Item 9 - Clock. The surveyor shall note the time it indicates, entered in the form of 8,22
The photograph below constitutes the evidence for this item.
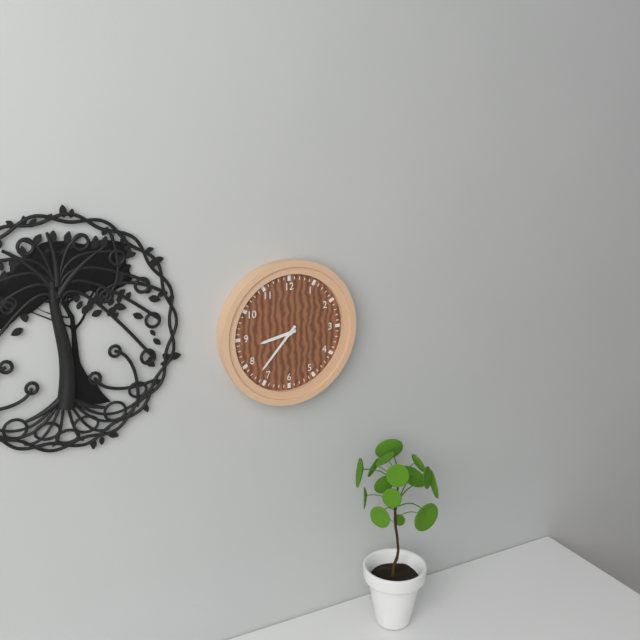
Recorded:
8,37
